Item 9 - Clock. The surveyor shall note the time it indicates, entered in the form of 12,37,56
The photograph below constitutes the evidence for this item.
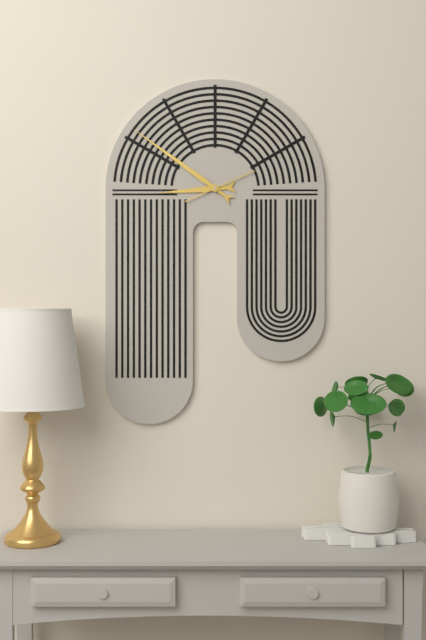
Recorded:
8,51,11
